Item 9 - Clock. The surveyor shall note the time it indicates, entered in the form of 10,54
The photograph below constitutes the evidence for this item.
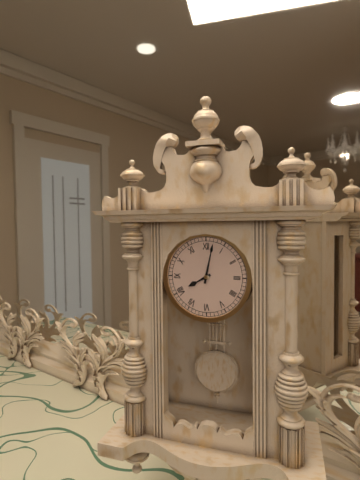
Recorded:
8,02
